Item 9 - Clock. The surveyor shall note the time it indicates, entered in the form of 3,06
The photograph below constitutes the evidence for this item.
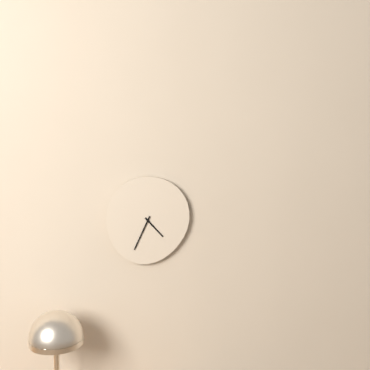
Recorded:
4,34
